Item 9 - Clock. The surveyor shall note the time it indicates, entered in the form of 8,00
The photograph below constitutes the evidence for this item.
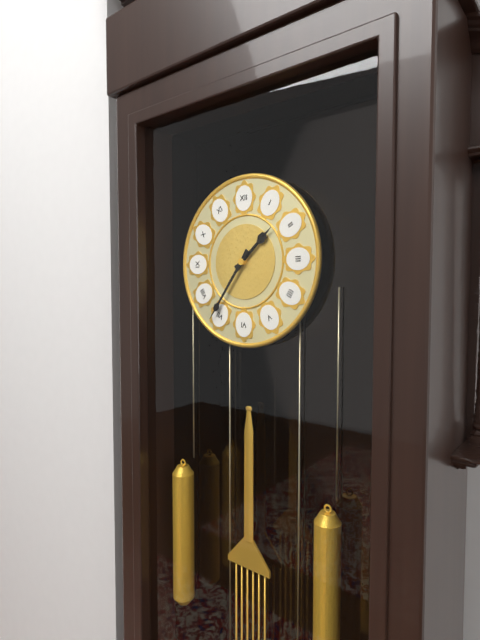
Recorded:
1,36
